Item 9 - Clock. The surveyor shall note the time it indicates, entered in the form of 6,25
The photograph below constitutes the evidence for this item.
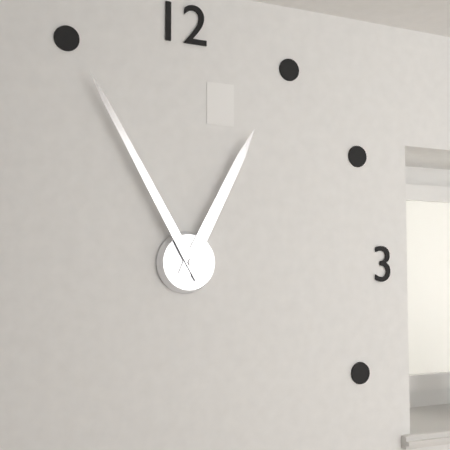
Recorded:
12,55
